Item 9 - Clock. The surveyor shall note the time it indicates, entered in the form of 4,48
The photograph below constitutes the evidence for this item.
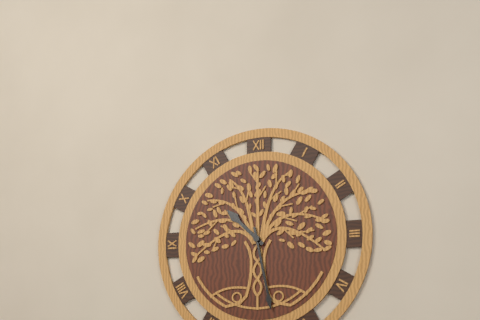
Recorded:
10,28
